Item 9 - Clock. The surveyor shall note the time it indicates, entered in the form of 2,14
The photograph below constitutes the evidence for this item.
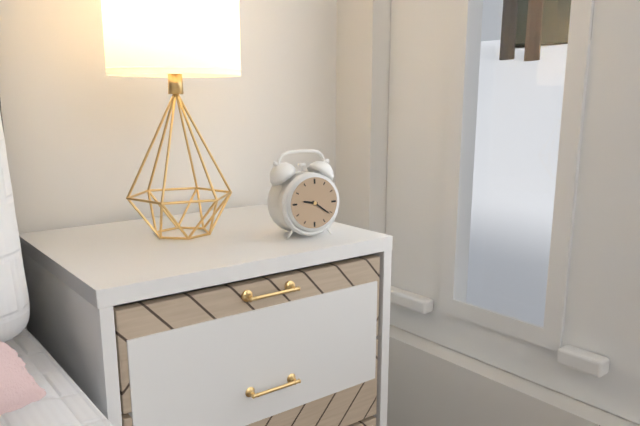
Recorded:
9,21
